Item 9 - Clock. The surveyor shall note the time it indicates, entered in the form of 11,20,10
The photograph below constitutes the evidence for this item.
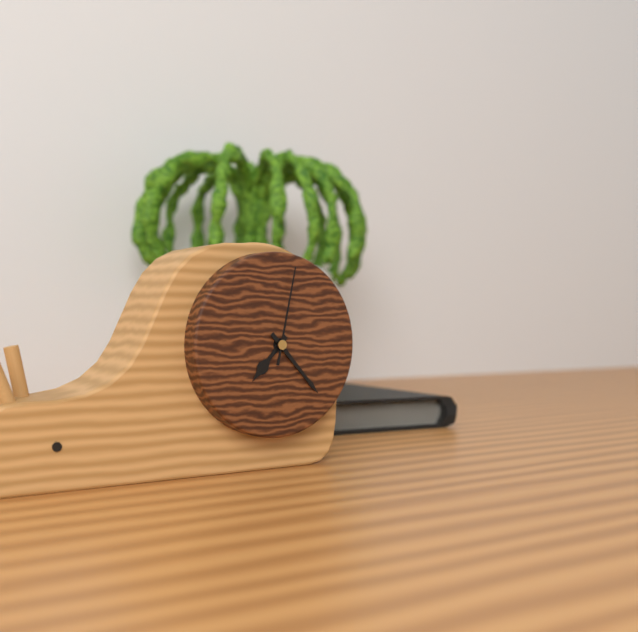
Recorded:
7,23,02
